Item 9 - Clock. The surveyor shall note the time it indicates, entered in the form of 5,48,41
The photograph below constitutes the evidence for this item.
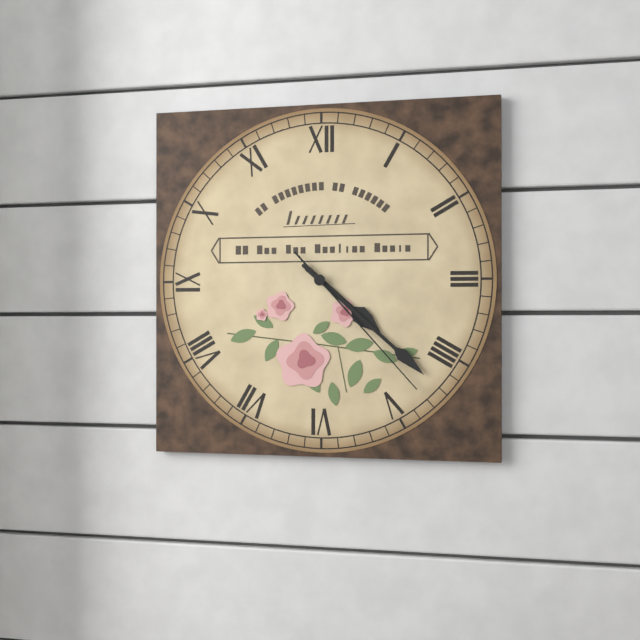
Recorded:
4,22,23
